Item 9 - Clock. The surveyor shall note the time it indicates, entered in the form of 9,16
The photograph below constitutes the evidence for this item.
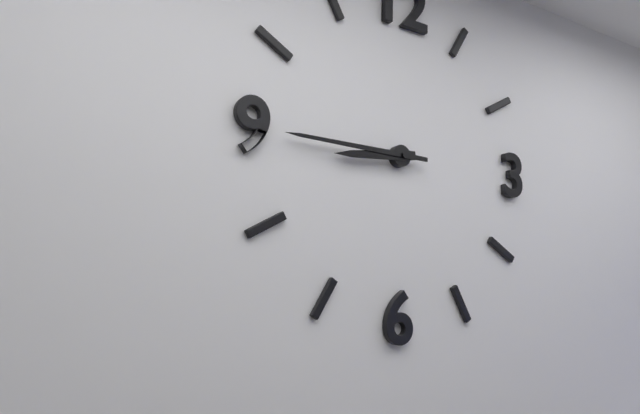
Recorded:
8,45
